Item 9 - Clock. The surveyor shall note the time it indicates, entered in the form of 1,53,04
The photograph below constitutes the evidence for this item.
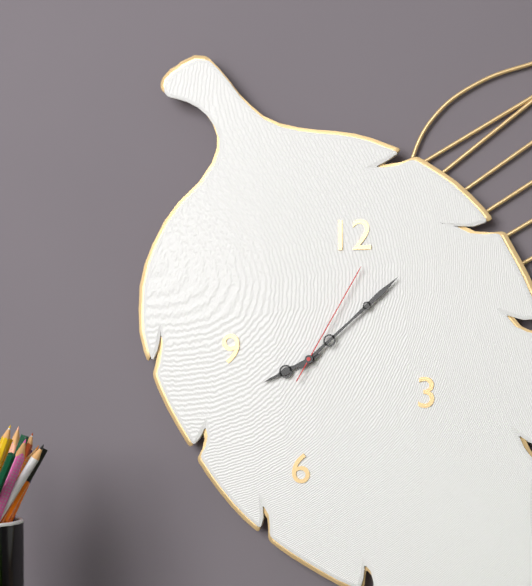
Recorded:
8,08,05
